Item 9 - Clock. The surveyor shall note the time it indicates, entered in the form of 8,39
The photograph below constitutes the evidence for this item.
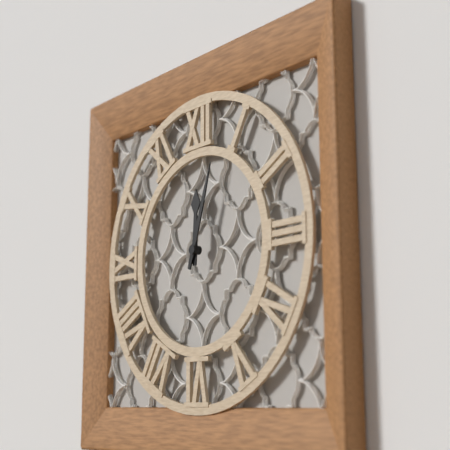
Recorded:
12,03
